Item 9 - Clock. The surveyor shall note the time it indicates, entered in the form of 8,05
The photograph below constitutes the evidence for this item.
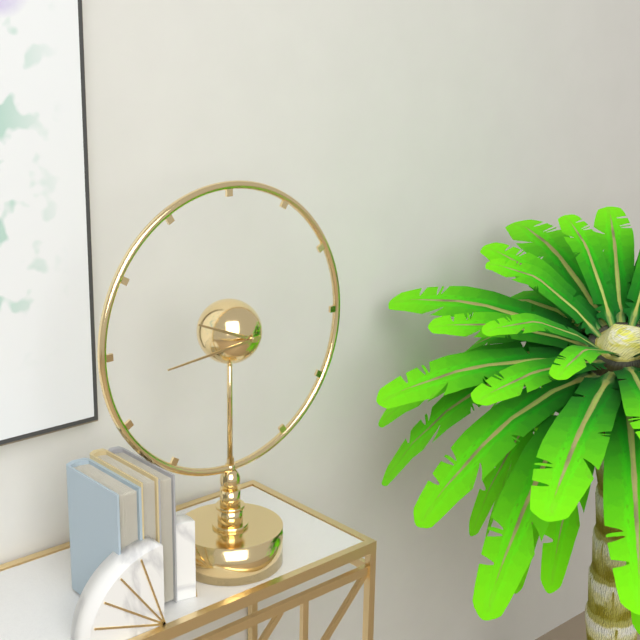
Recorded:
9,44
